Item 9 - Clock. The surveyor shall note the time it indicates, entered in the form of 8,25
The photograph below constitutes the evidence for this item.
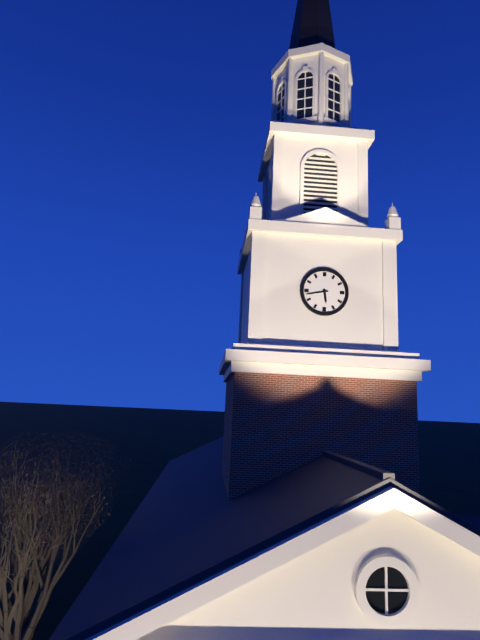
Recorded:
5,43
